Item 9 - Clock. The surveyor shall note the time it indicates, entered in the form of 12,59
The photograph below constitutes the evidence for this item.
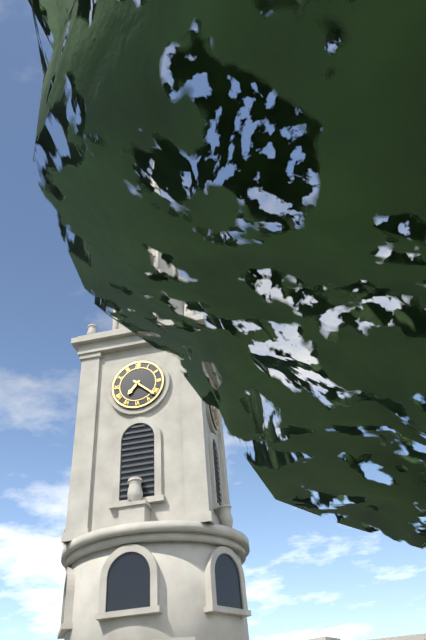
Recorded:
7,22
